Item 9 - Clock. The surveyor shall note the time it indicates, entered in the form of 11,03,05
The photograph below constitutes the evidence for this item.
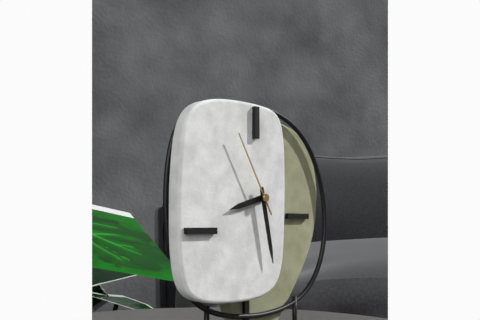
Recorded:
8,28,55
